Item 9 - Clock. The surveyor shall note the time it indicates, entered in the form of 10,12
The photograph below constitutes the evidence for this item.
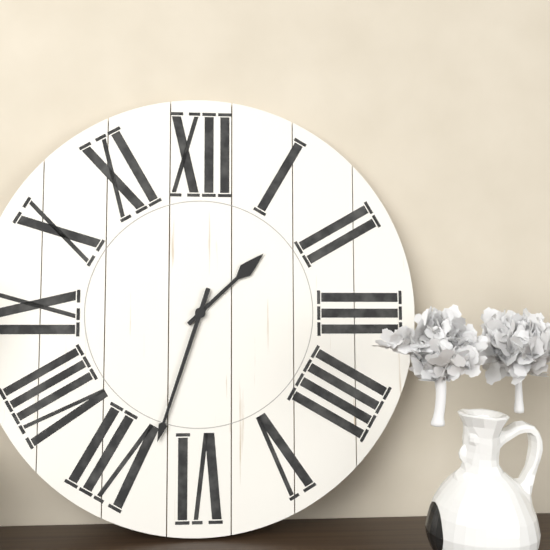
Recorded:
1,33
